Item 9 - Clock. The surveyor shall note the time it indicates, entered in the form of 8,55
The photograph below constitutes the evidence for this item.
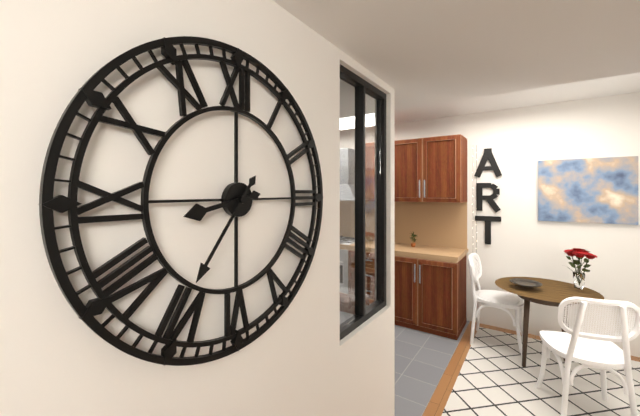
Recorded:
8,36
